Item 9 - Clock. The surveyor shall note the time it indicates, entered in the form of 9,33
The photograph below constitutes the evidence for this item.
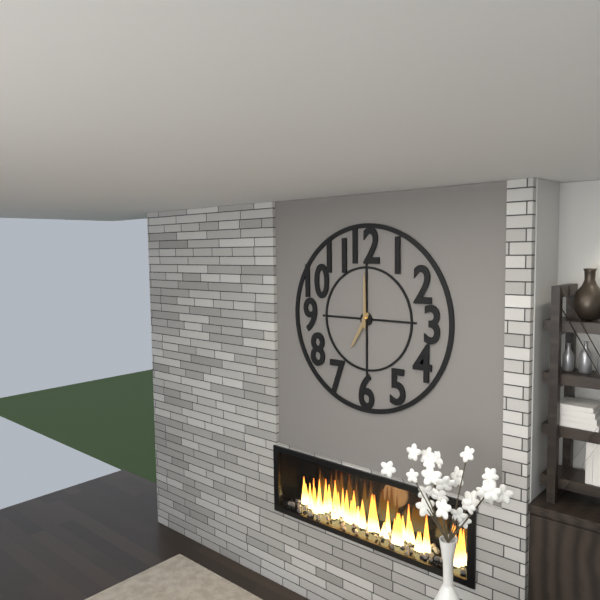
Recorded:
7,00
